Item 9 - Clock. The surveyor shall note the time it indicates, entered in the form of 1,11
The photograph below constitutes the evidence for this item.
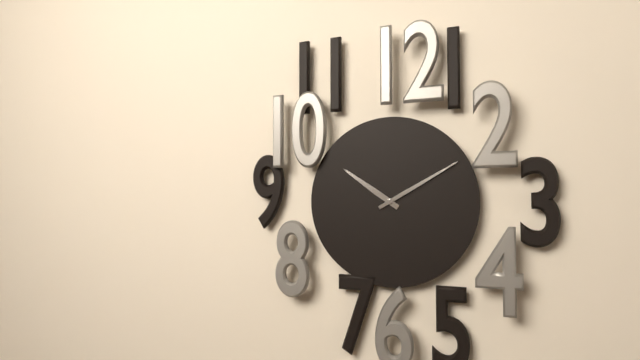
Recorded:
10,10
